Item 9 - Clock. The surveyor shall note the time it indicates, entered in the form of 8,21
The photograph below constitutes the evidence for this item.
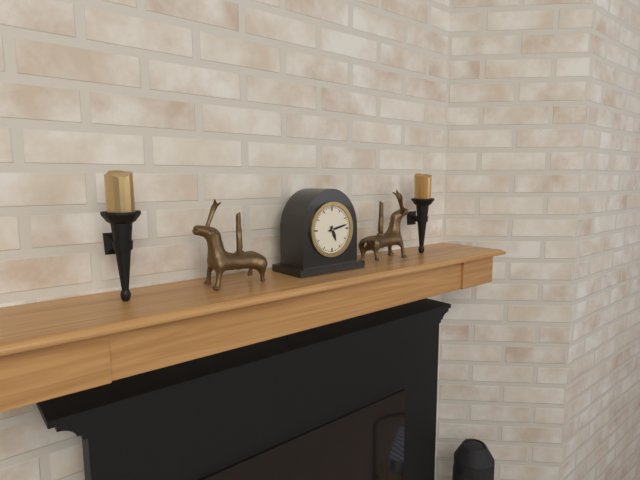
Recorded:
5,13
